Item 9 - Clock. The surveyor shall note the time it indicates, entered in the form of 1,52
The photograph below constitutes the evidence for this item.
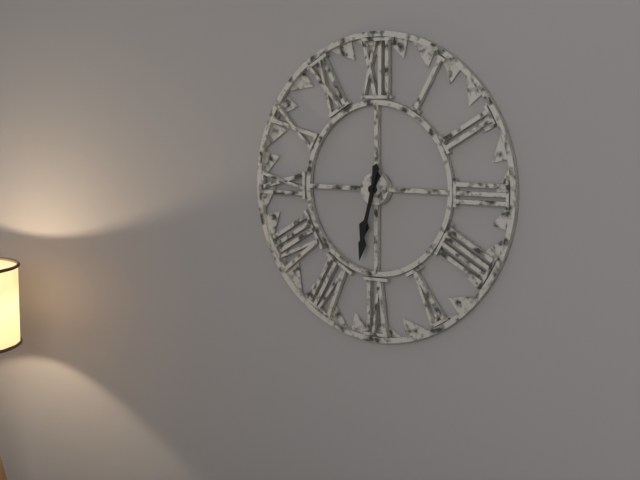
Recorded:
6,32
